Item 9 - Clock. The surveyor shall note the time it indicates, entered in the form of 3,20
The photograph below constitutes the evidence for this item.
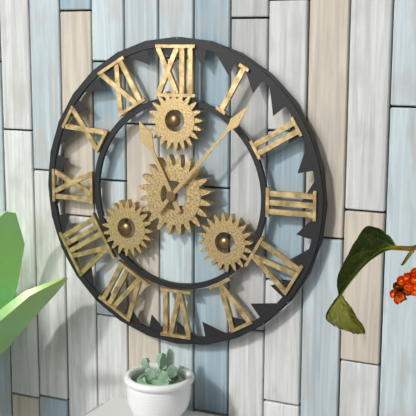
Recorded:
11,07
